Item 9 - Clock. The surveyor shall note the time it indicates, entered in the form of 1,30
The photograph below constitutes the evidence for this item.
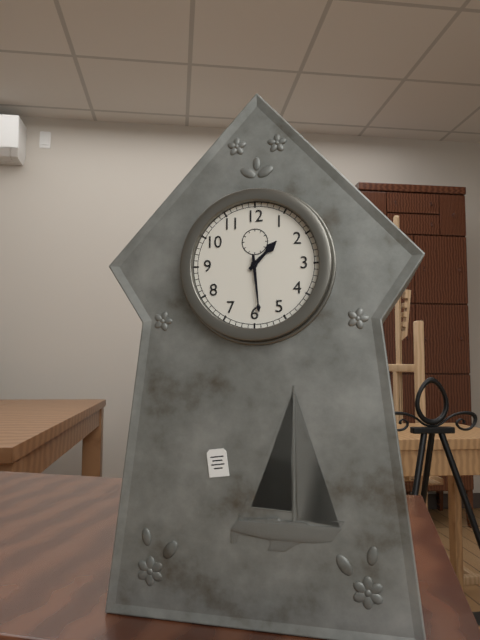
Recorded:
1,29
